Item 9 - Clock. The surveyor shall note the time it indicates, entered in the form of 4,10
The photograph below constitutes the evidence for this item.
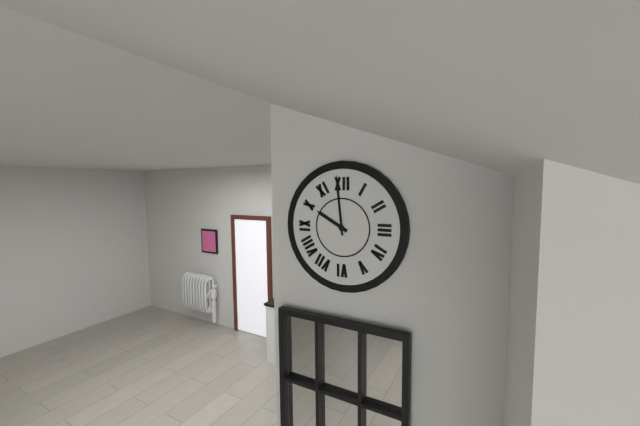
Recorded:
9,59
